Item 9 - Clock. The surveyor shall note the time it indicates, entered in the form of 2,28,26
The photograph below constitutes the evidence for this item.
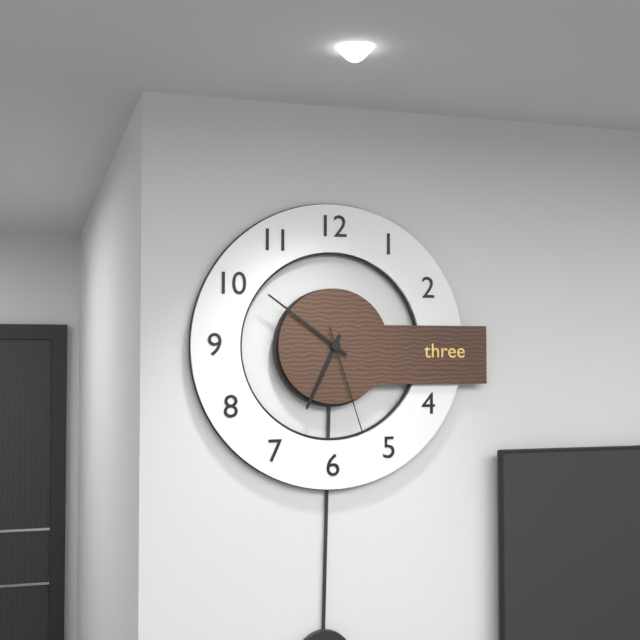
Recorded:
6,51,27
